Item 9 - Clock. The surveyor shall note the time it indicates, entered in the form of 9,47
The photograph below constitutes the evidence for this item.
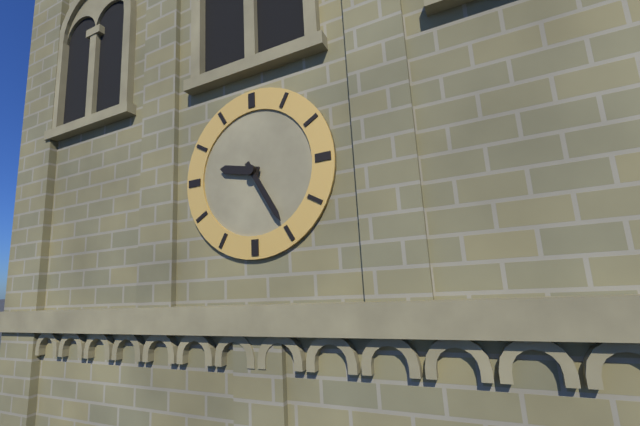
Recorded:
9,25
